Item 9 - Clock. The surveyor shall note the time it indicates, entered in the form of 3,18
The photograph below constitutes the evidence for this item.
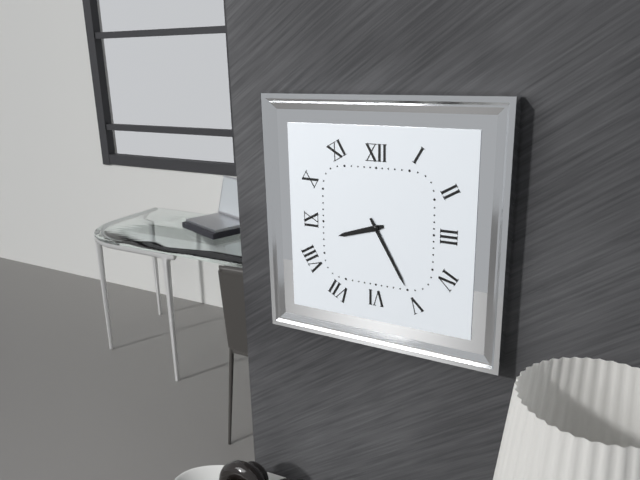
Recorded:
8,25
